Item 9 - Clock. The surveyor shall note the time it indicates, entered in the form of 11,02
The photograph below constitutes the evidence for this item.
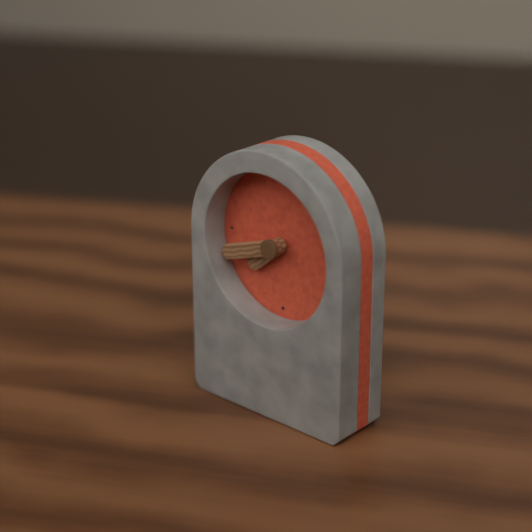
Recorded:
7,42
